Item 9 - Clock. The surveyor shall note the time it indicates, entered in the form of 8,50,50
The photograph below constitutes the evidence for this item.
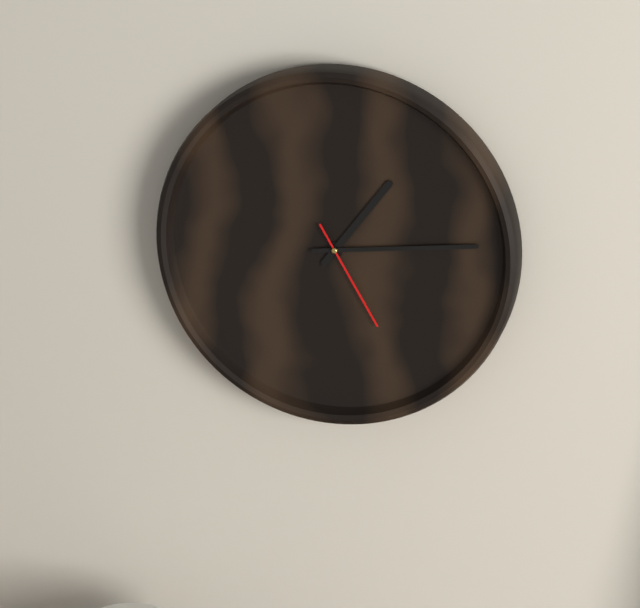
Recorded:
1,14,25
